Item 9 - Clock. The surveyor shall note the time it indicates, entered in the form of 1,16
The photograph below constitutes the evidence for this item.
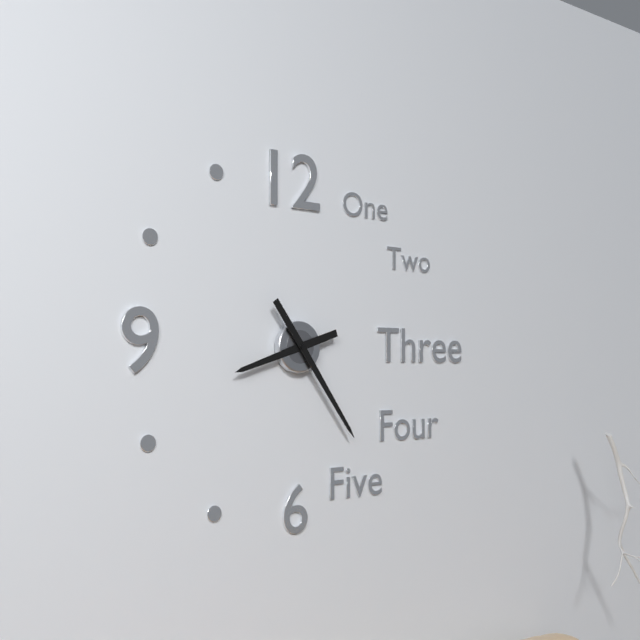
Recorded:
8,24
